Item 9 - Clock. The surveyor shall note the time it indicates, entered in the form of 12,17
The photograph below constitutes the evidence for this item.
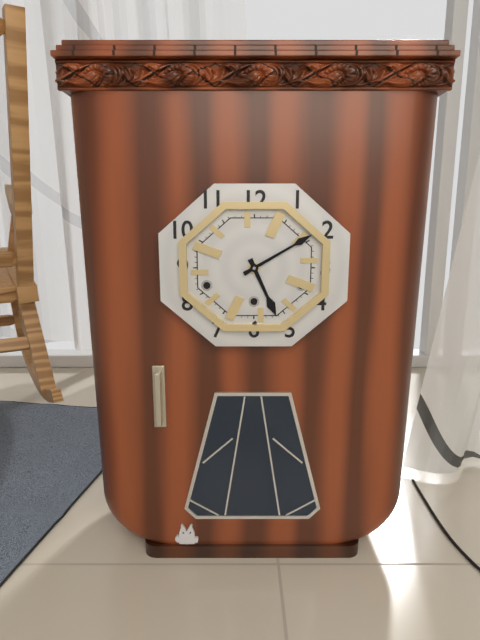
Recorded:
5,10
